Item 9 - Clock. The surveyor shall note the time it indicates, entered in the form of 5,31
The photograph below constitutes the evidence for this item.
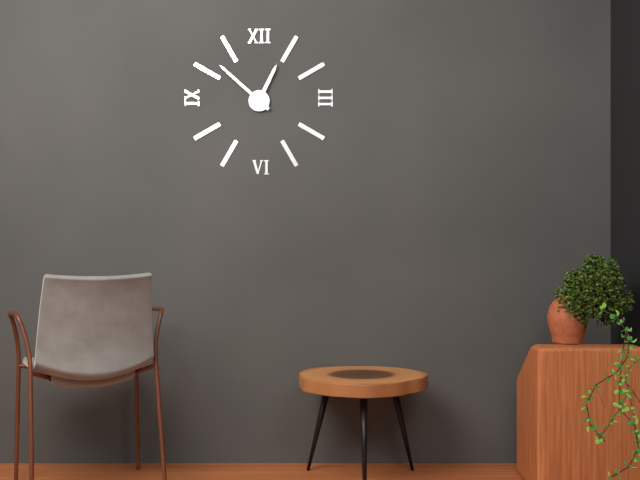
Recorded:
12,52
